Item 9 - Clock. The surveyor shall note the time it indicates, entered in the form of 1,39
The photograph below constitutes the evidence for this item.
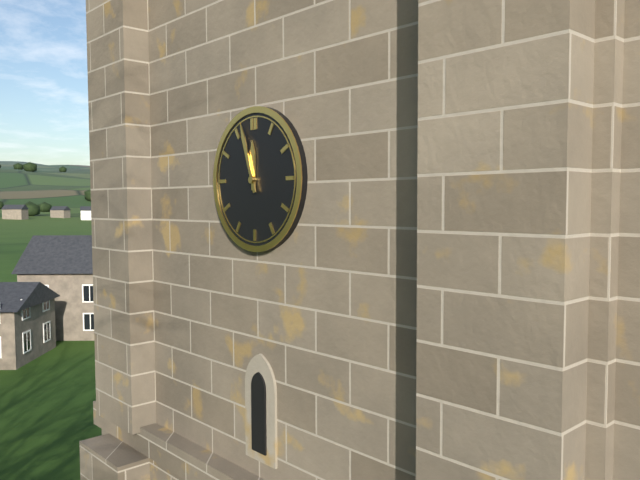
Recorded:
11,57
